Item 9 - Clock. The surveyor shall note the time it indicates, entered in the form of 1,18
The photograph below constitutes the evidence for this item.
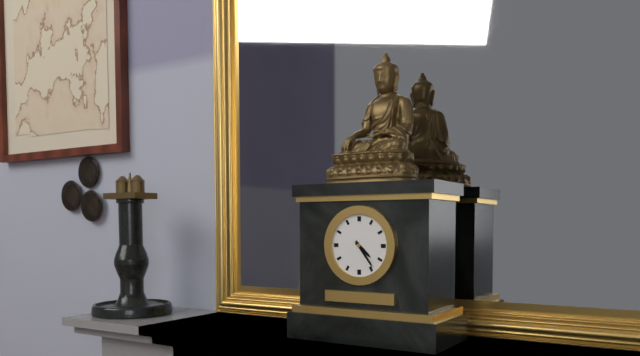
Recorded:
4,24
